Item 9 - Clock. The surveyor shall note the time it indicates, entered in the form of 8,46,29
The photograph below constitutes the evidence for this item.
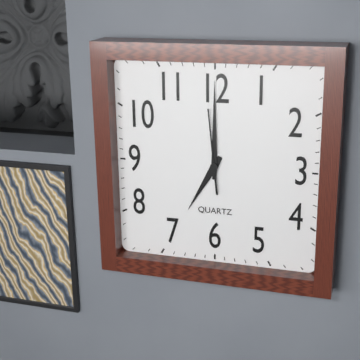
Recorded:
7,00,59
